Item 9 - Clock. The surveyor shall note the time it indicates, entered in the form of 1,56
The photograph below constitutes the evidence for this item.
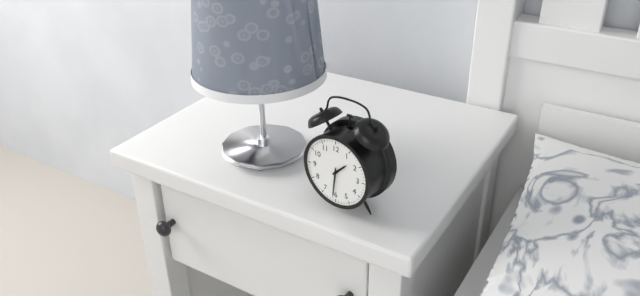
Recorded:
1,31
